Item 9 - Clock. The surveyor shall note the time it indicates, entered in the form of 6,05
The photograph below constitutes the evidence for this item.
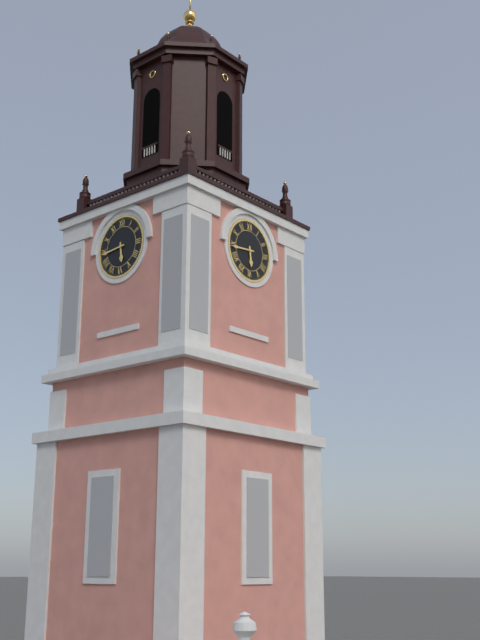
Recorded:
5,44
